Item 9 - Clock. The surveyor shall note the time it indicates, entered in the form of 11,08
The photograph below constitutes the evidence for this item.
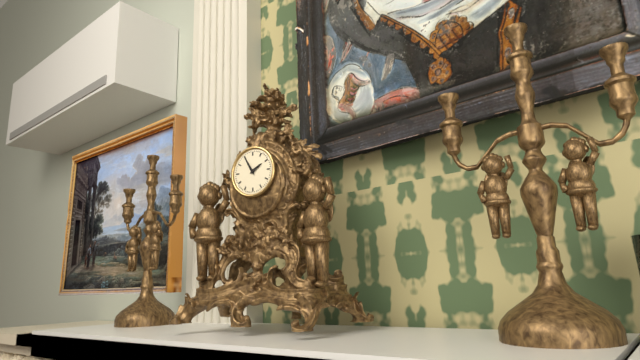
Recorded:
1,55
